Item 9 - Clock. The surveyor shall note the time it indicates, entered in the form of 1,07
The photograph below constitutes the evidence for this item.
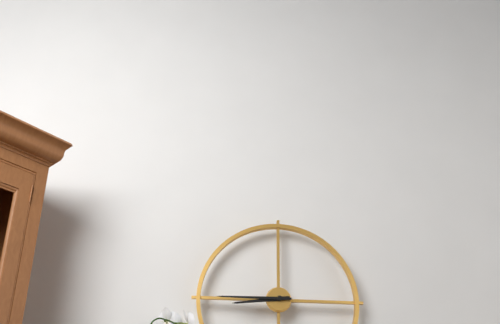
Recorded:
8,45
